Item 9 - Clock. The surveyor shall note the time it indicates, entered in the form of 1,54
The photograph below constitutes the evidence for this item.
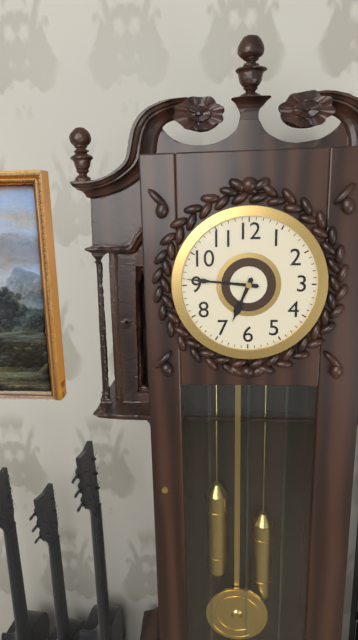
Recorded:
6,46
